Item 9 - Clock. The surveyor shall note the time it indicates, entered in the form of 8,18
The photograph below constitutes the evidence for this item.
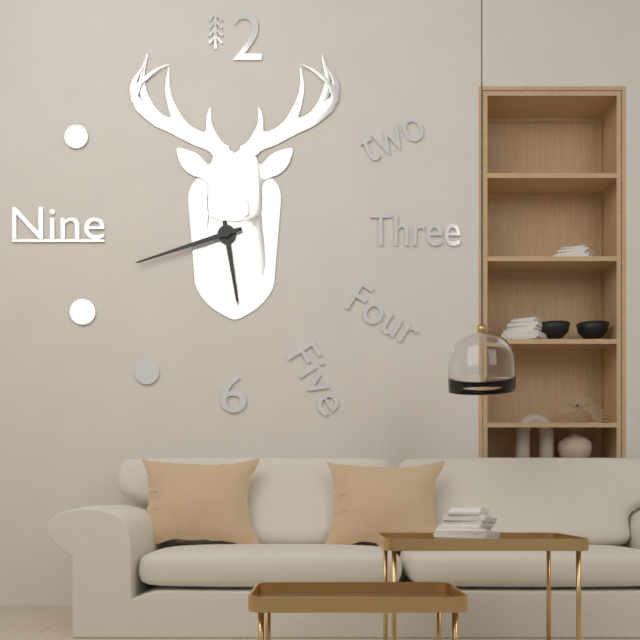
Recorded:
5,42
